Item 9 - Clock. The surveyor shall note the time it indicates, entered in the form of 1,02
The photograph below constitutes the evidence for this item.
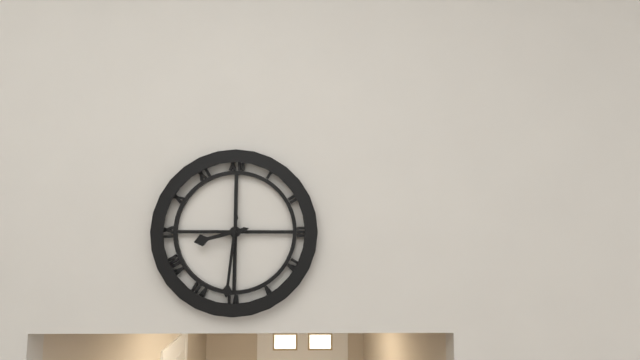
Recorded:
8,31
